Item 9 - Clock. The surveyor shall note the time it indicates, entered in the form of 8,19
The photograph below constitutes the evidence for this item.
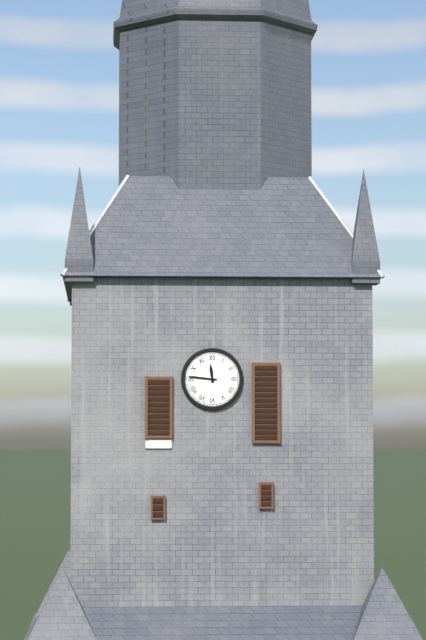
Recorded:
11,46
